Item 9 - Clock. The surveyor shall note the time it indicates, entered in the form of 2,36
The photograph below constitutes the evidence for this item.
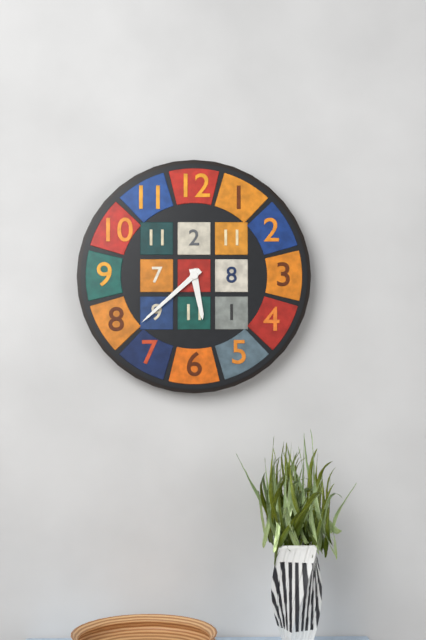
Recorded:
5,38
